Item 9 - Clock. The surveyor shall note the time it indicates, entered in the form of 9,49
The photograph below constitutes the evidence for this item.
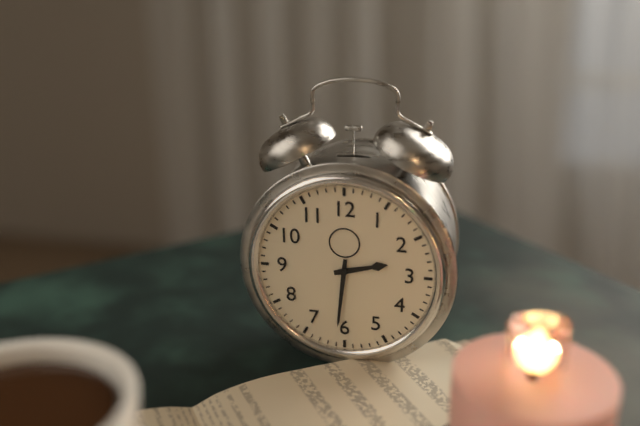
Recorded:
2,31
